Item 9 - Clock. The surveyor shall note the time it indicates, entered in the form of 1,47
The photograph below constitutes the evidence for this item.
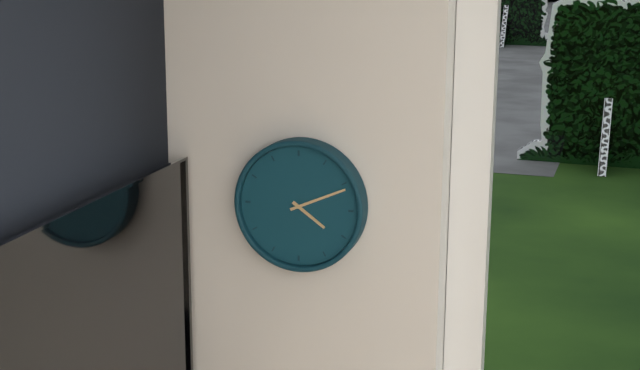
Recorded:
4,11
